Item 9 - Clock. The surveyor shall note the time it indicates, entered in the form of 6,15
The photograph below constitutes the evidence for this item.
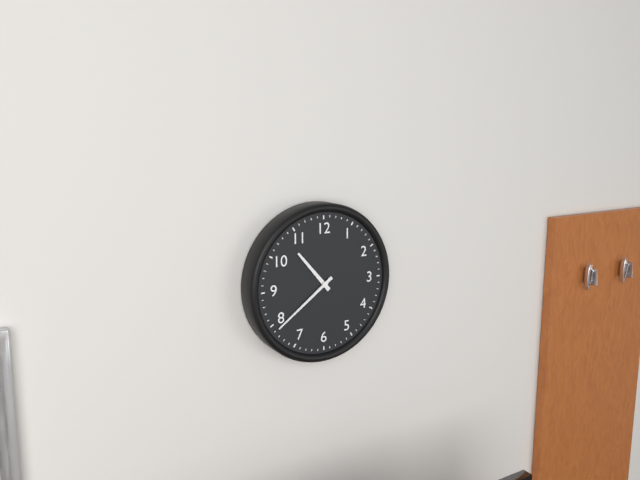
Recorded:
10,39
